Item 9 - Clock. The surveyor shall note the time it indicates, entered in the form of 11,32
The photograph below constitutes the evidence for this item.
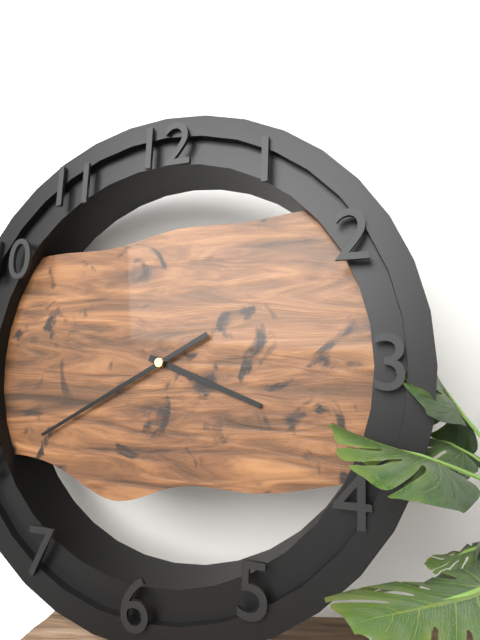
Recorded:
3,40
